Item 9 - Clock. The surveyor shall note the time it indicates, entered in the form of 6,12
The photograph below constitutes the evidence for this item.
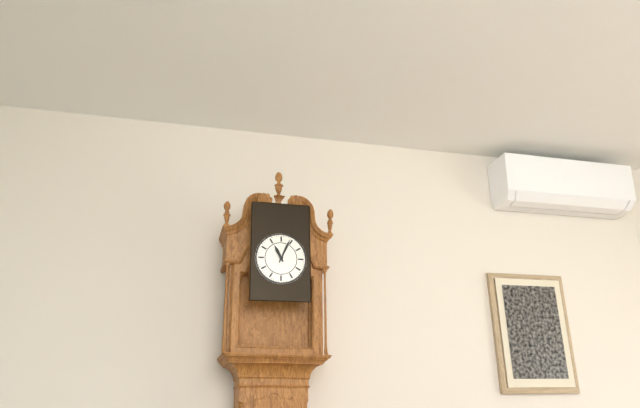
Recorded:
11,04
